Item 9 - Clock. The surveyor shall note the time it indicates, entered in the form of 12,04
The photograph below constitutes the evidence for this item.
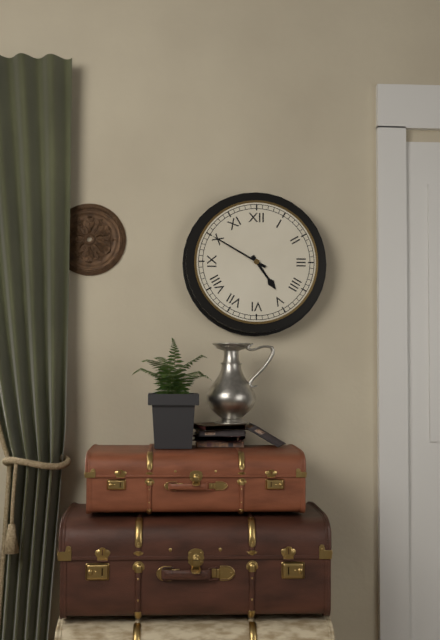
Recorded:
4,50
